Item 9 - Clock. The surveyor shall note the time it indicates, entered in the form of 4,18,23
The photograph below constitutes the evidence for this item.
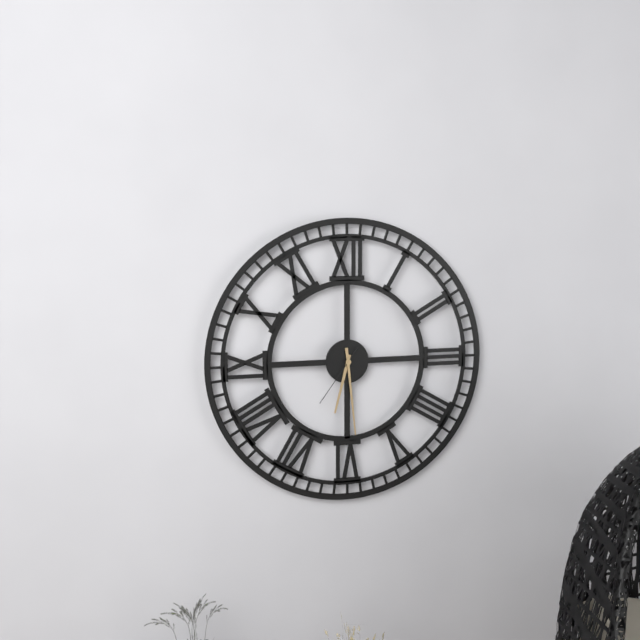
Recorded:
6,29,36
